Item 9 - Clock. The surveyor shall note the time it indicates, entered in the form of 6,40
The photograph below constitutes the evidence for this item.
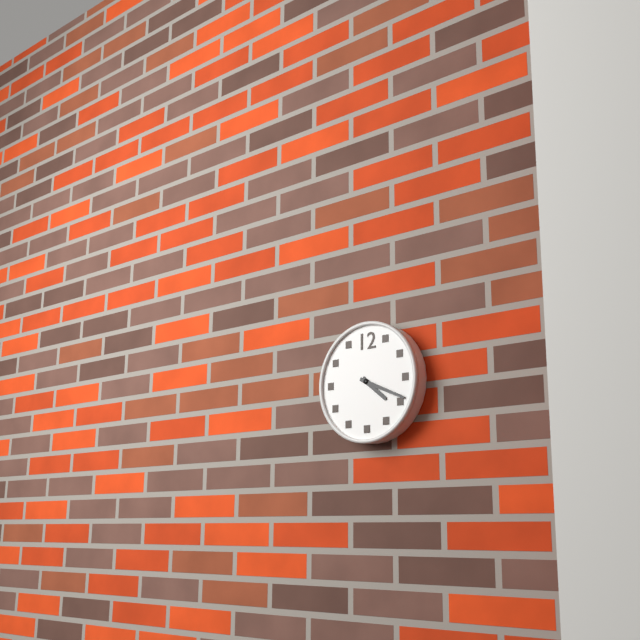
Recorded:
4,19
